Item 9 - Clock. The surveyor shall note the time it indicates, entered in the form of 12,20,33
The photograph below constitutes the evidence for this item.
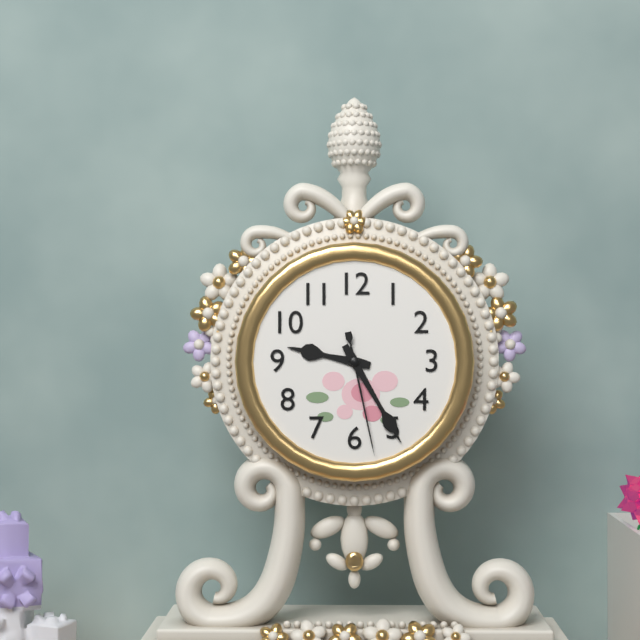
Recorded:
9,25,28
